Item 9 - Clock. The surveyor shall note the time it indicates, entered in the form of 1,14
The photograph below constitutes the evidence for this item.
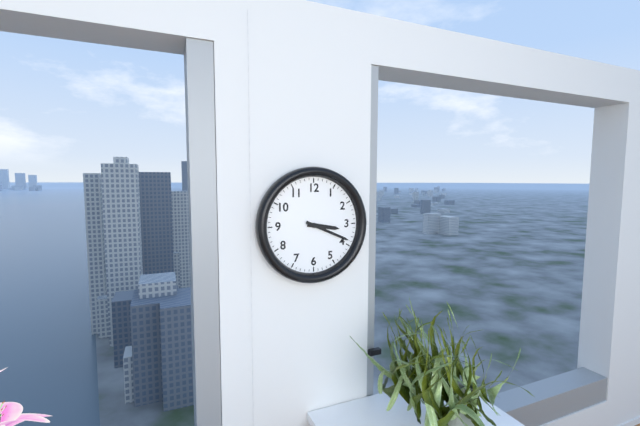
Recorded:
3,19
